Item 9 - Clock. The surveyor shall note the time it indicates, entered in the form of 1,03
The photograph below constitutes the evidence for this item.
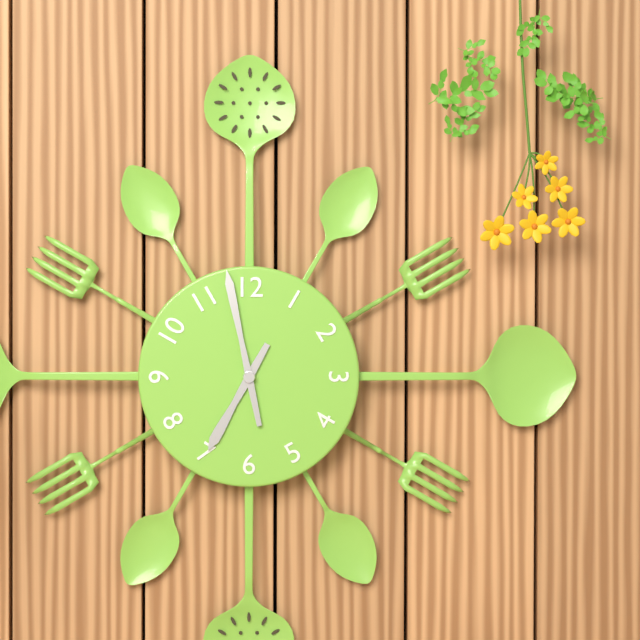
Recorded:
6,58
